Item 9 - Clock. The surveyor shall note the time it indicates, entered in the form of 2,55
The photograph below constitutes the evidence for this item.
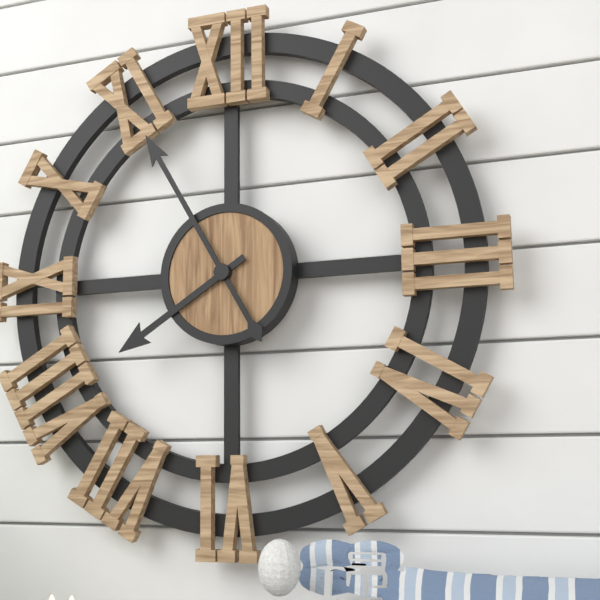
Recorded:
7,55
